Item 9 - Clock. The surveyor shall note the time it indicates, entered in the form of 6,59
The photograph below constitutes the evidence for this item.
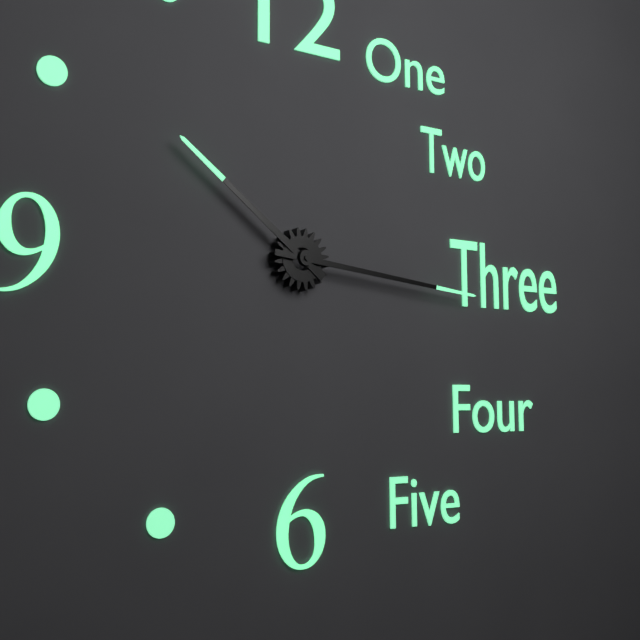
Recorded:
10,16
